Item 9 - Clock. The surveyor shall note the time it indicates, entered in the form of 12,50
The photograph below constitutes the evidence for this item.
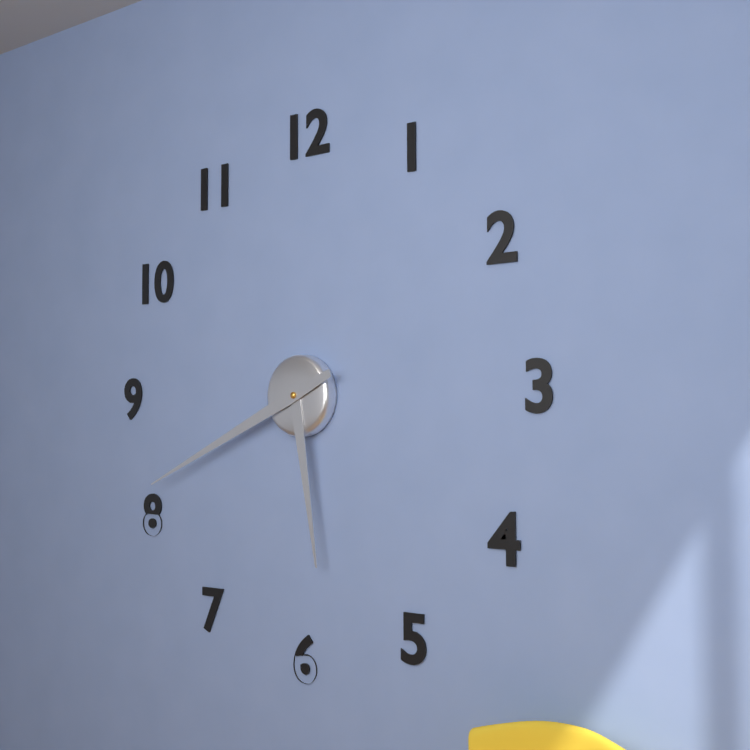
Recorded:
5,41
